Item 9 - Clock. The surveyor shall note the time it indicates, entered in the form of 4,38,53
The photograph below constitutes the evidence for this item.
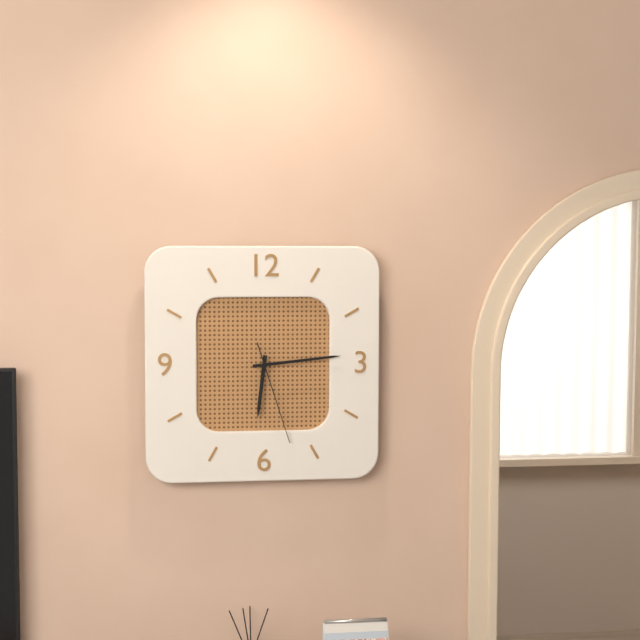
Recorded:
6,14,27
